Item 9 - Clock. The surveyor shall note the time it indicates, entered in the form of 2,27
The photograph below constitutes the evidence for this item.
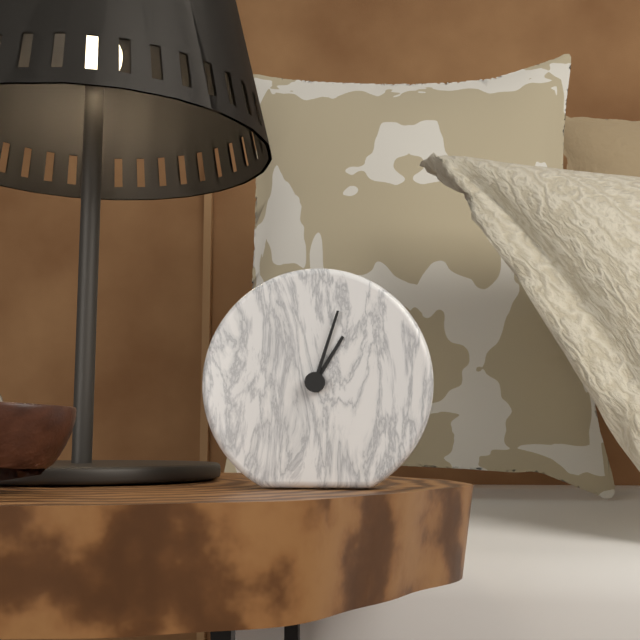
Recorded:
1,03
